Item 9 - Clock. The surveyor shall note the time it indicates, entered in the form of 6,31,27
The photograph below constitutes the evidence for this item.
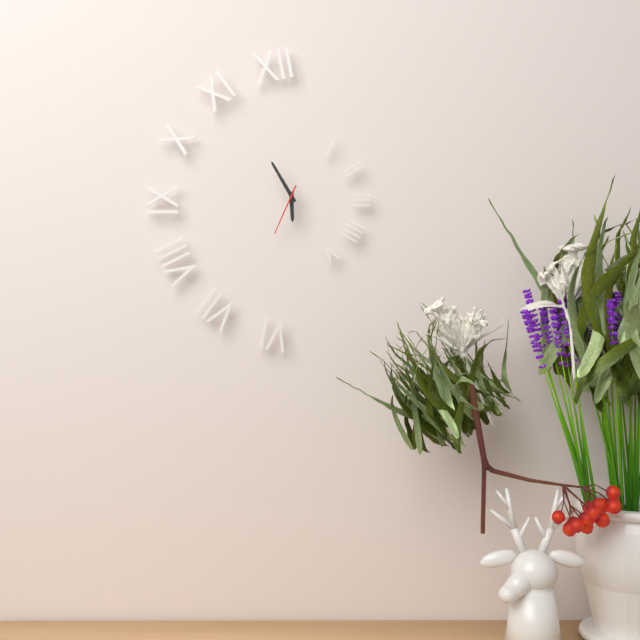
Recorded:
5,55,34
